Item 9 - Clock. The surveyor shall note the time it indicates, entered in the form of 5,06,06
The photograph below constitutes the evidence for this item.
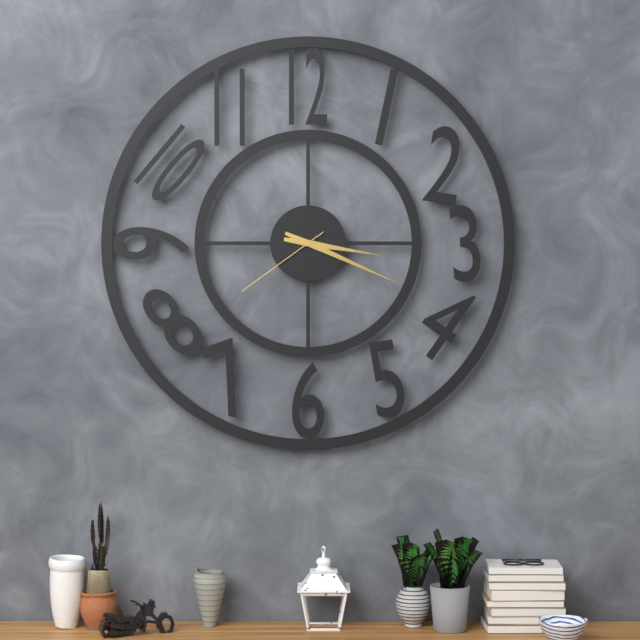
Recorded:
3,19,39
